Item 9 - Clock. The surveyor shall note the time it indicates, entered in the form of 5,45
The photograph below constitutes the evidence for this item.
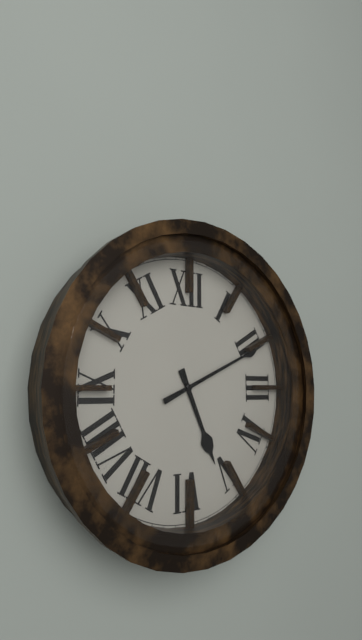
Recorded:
5,11
